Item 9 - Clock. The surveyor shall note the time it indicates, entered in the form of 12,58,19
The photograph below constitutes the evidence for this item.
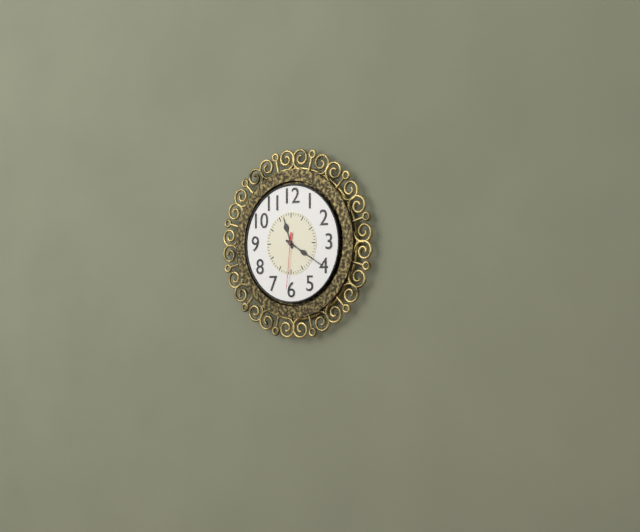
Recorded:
11,20,31
